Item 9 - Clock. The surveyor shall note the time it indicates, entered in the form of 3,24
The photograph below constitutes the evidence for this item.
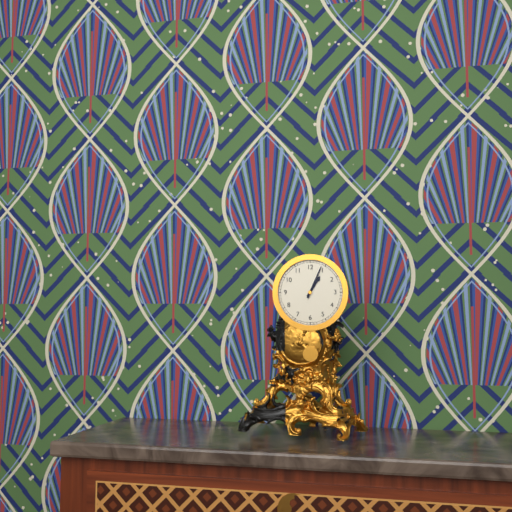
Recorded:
1,04
